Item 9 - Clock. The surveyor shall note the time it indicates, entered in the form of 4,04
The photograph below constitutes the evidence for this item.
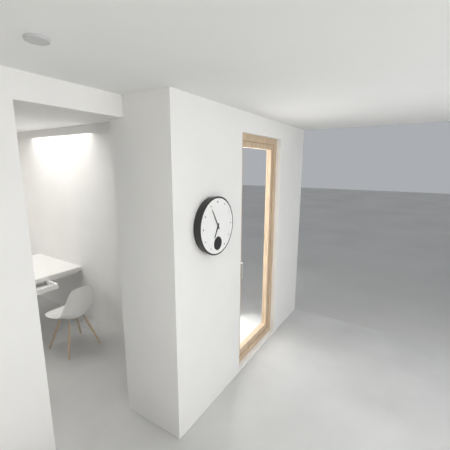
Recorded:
6,55
